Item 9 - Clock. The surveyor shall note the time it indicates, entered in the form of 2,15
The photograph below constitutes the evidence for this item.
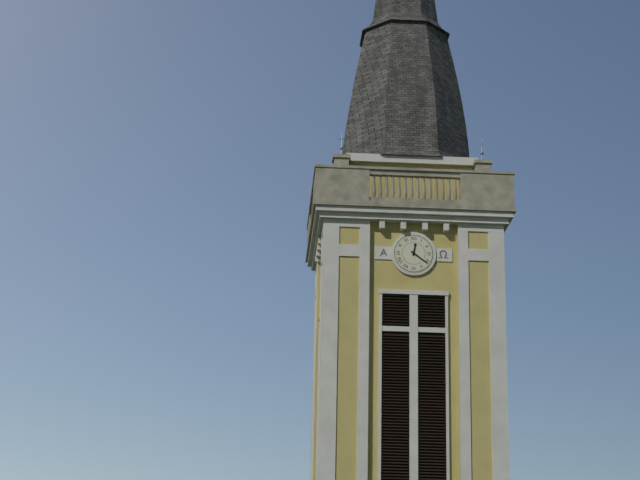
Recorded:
12,21
